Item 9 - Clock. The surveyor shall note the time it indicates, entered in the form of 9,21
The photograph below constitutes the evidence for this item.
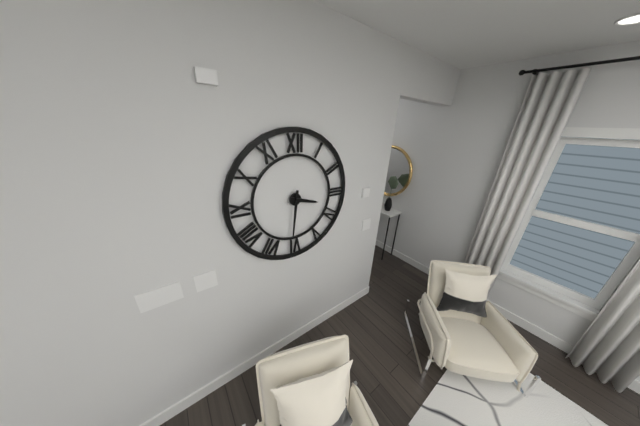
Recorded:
3,31
